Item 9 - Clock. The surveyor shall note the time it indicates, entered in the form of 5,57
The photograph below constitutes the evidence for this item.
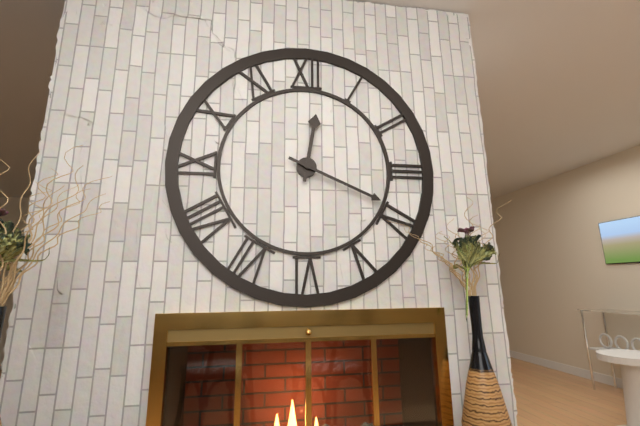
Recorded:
12,19
